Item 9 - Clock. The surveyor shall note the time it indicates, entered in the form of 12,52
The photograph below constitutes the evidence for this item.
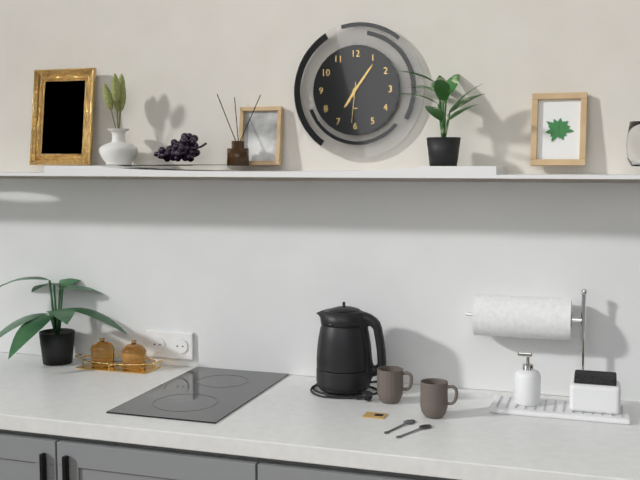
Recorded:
7,06
